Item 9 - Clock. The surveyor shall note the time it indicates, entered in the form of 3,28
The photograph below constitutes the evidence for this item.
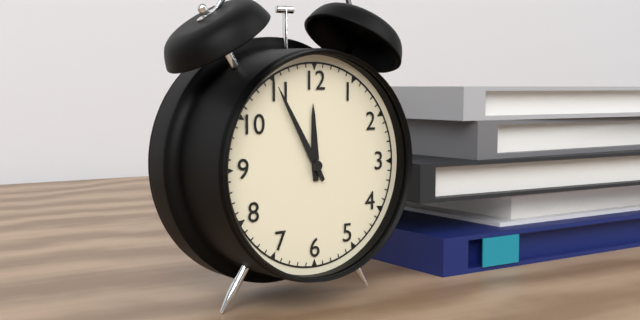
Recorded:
11,55
